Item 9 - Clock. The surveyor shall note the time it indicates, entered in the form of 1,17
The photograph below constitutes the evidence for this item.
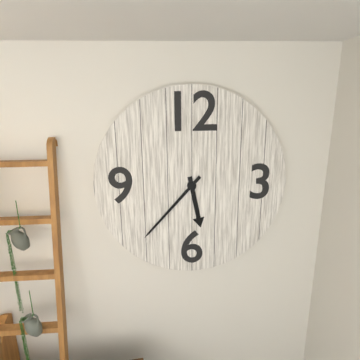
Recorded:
5,37
